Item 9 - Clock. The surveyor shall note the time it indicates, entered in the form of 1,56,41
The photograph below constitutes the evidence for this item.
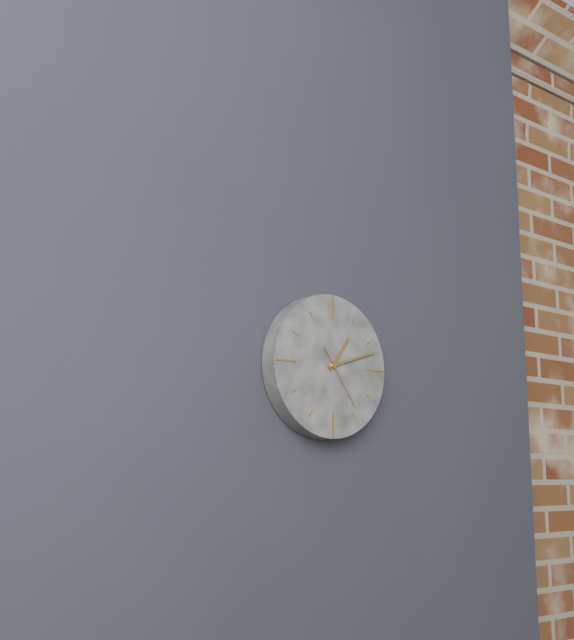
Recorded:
1,12,24
